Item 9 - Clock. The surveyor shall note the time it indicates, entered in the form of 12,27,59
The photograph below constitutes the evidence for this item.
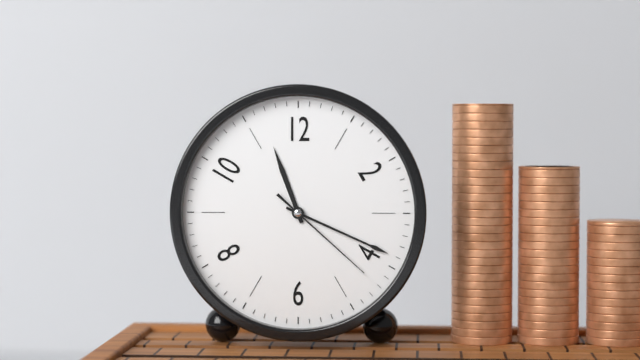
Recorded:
11,19,22
